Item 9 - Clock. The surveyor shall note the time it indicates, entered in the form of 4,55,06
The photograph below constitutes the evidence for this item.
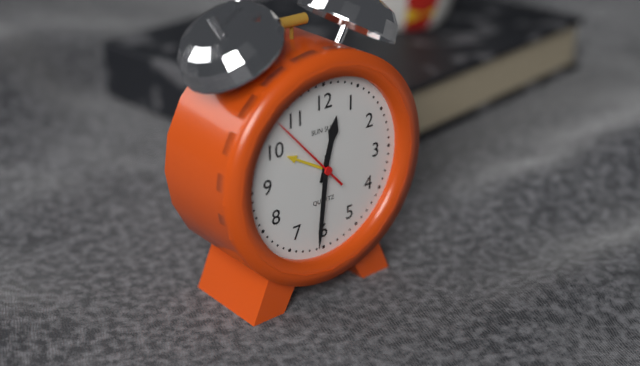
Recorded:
12,31,53
